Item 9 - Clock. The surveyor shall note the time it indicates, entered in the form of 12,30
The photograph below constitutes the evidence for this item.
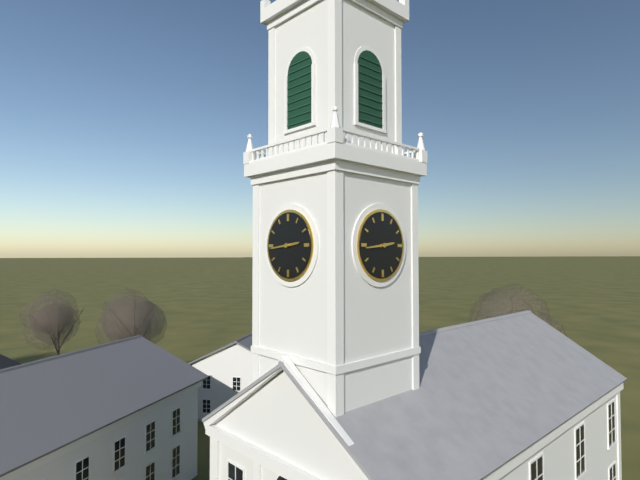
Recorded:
2,44
